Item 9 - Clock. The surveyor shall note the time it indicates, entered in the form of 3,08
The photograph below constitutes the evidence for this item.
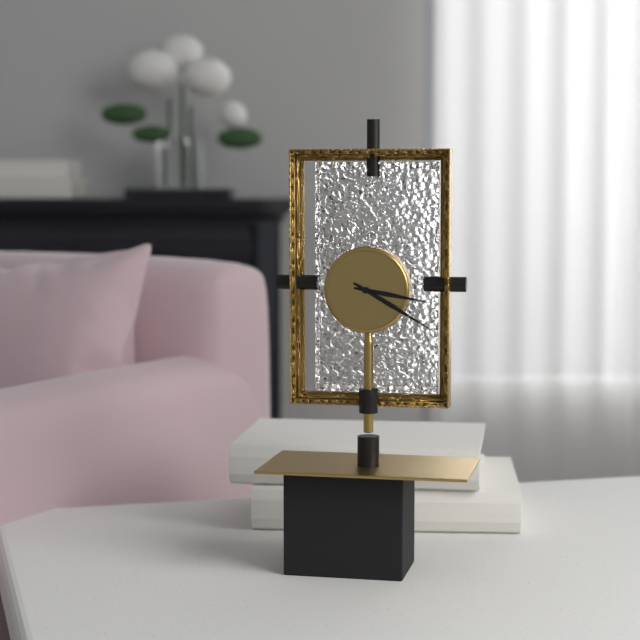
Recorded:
3,20
